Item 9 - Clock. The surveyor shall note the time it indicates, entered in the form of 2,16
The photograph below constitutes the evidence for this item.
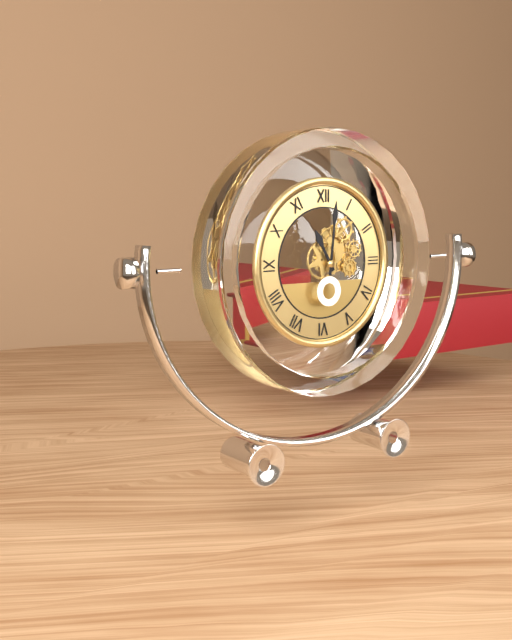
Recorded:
11,01
